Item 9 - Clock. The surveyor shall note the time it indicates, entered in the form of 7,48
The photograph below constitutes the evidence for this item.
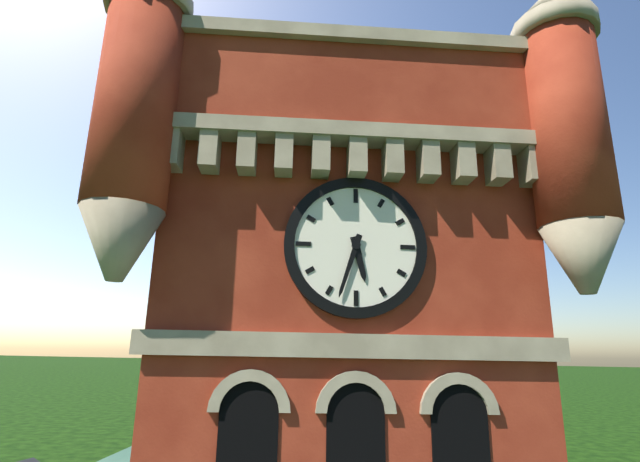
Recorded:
5,33
